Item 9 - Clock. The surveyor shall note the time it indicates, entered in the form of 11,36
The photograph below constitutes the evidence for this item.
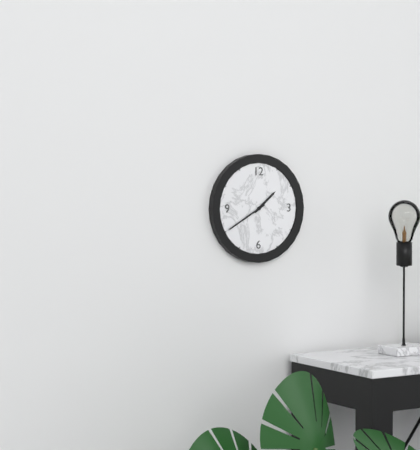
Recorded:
1,40
